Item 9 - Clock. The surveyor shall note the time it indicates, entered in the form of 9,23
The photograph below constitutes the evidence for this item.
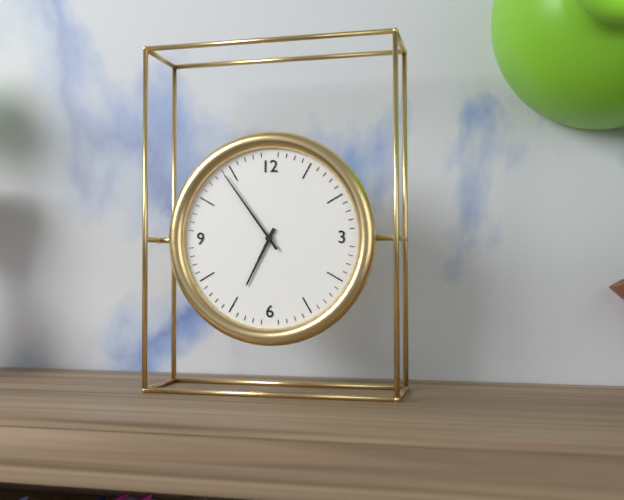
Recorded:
6,54
